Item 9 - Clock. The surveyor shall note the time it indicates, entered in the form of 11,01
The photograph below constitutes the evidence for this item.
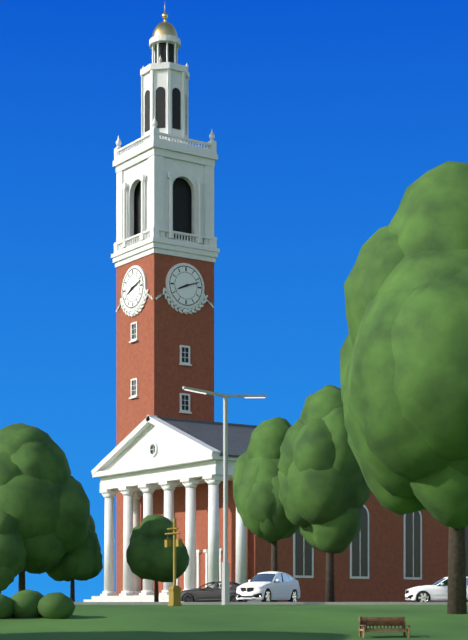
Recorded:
8,12
